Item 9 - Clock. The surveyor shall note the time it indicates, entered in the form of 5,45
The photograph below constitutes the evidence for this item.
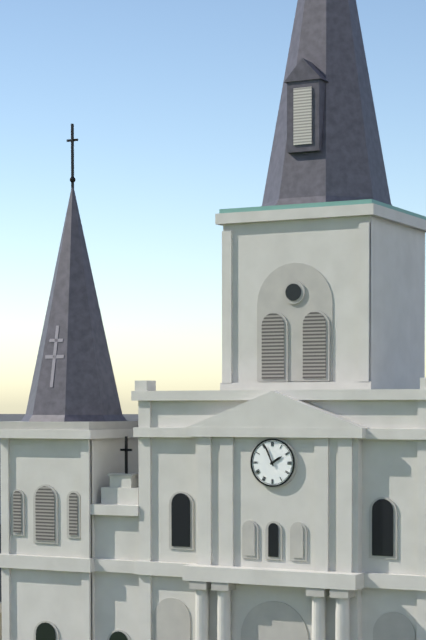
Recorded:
1,56
